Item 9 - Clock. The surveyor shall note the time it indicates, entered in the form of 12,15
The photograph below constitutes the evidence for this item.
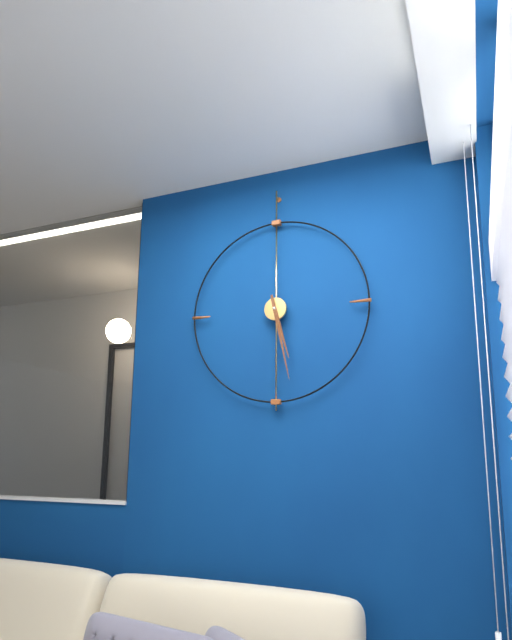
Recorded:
5,28
